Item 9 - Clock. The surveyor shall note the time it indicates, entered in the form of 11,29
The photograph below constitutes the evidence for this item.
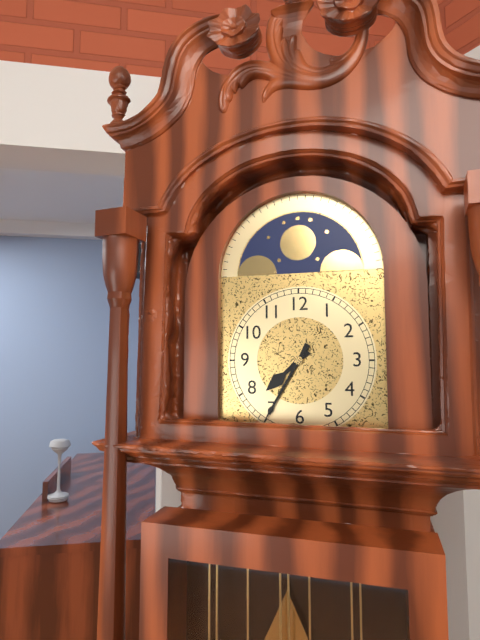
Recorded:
7,35
